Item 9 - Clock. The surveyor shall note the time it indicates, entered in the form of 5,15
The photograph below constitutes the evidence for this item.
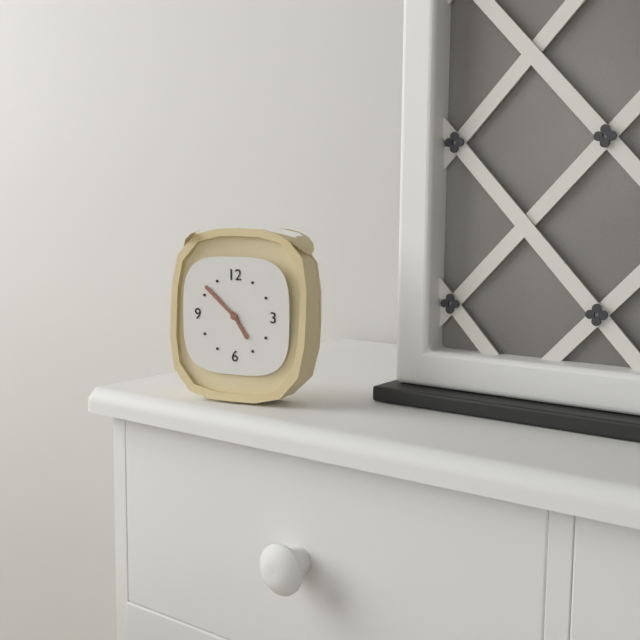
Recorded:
4,52
